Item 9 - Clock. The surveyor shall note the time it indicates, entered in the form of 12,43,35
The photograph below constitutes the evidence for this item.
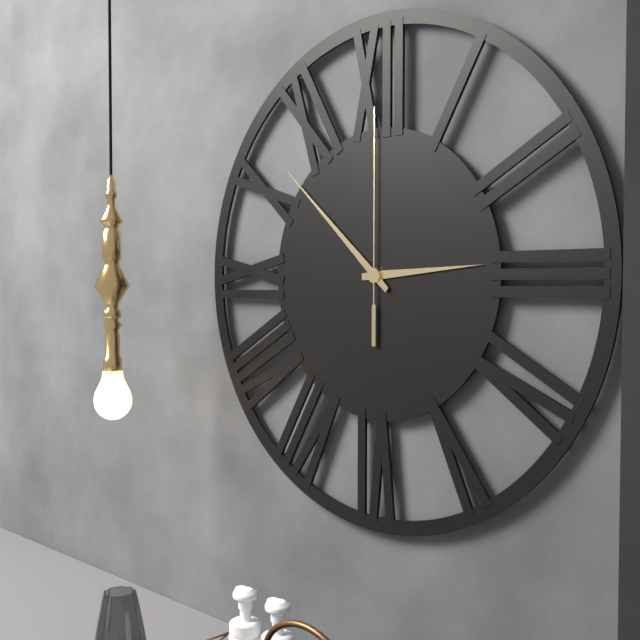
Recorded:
2,52,00
